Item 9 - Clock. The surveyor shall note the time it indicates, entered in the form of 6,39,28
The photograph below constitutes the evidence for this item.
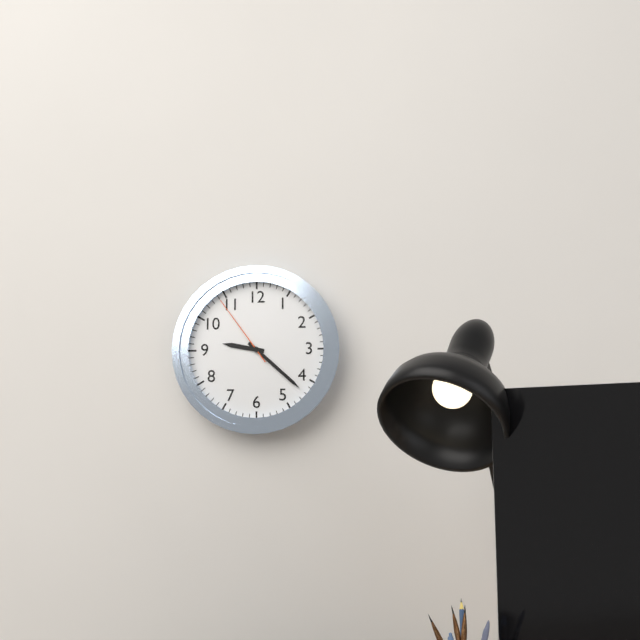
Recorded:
9,22,54
